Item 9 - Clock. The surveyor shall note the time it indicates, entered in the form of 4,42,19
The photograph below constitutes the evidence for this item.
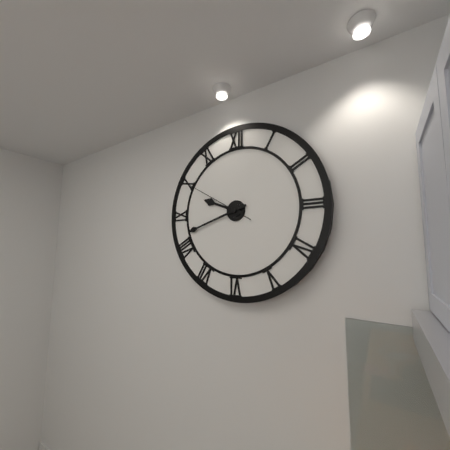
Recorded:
9,42,50
